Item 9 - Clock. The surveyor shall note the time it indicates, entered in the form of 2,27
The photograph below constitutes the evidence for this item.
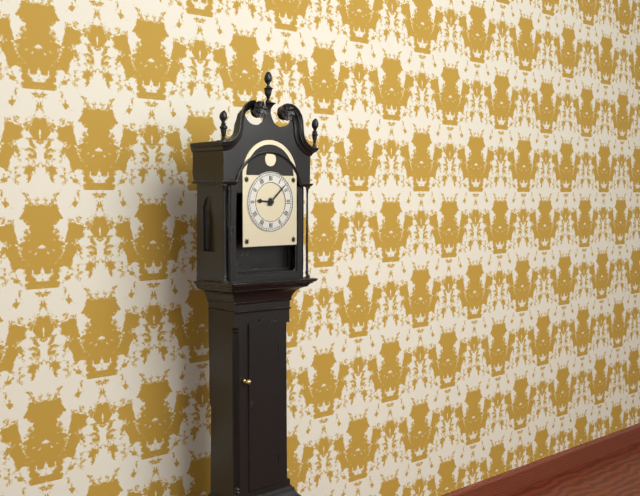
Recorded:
9,08
